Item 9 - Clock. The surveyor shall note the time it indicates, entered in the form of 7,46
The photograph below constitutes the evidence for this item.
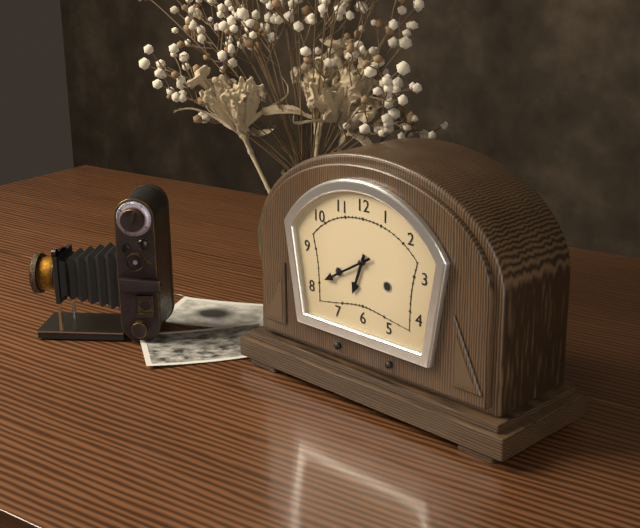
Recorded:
6,40
